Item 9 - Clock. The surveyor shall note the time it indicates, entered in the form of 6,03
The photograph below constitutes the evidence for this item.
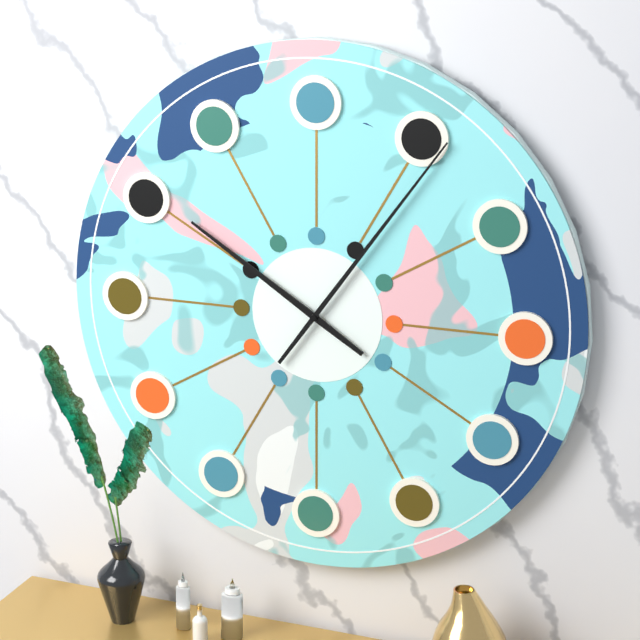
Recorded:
10,06
